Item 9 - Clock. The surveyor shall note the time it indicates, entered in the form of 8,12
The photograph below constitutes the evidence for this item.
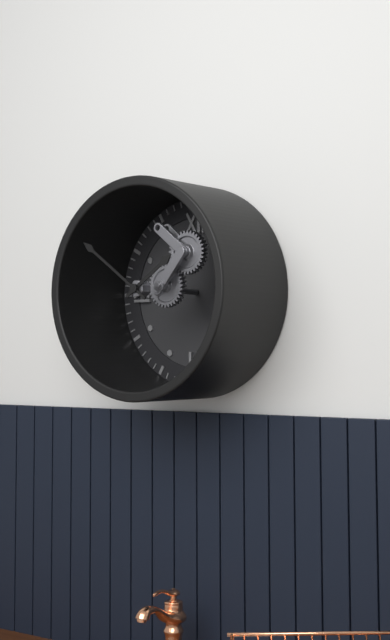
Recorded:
1,51
